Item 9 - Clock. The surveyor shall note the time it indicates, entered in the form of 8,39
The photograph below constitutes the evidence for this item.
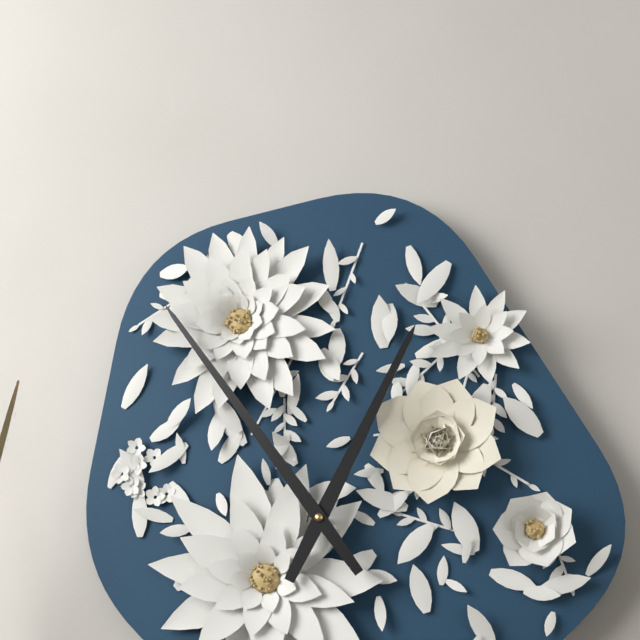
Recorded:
12,54
